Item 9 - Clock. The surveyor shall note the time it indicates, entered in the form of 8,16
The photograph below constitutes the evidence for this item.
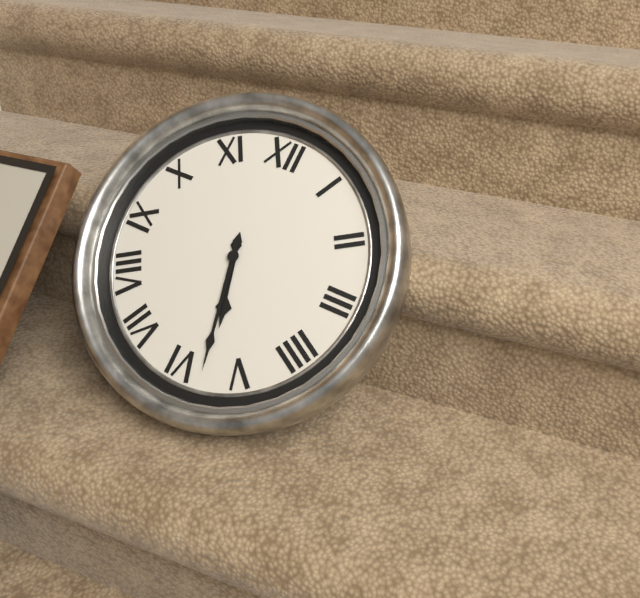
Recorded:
5,28
